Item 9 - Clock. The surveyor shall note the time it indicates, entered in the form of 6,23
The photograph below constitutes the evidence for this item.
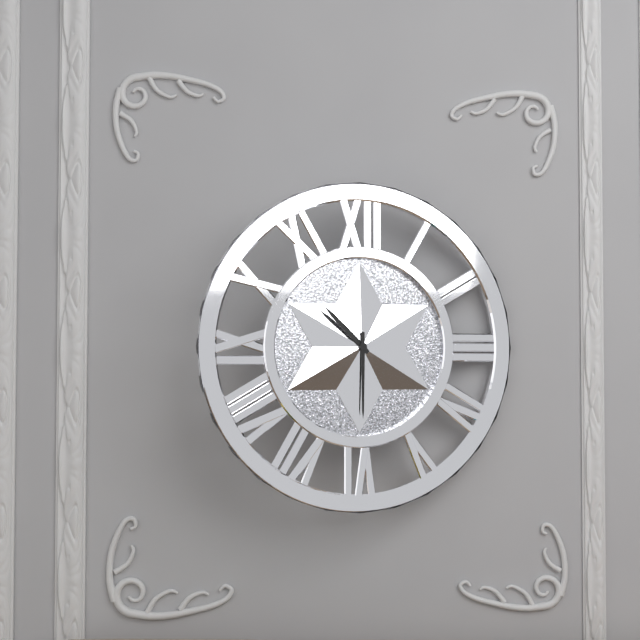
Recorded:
10,30
